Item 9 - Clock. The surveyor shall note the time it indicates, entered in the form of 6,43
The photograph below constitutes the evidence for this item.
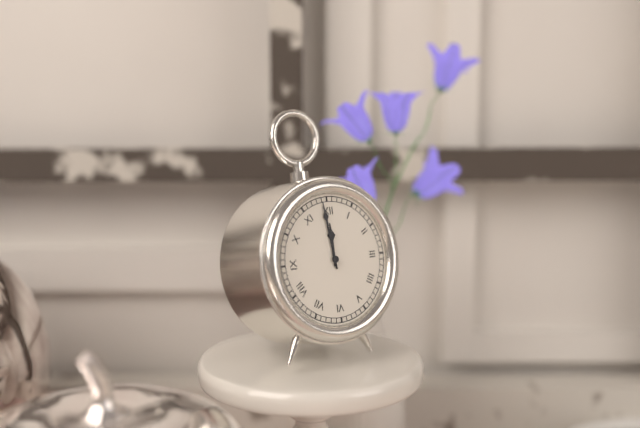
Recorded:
11,59
